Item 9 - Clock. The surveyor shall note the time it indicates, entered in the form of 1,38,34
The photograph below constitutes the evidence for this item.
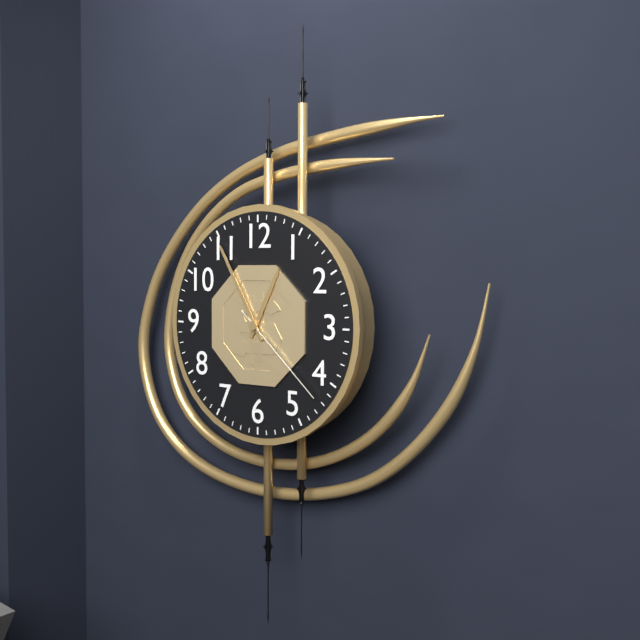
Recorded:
12,55,22
